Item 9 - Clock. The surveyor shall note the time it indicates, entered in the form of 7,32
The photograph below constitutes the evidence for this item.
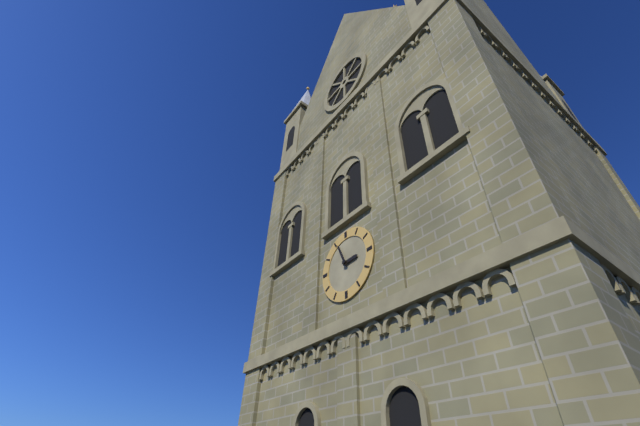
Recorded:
2,56
